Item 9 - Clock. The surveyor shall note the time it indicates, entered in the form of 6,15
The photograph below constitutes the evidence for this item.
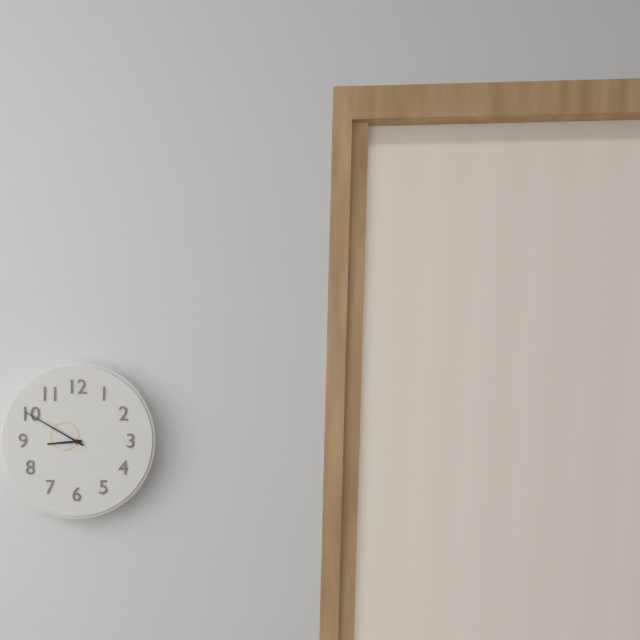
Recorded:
8,50
